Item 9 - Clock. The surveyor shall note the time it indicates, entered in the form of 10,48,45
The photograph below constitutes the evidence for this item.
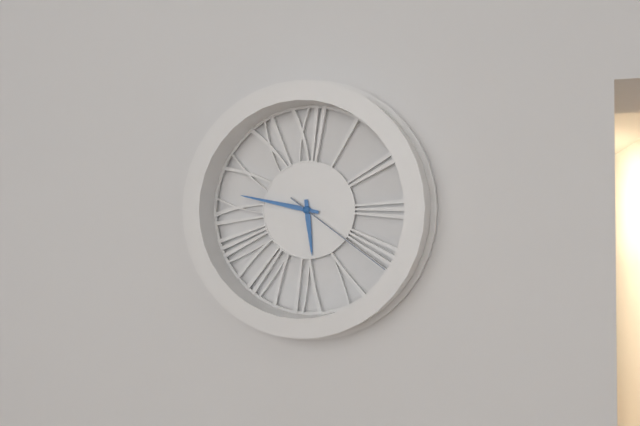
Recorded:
5,47,21
